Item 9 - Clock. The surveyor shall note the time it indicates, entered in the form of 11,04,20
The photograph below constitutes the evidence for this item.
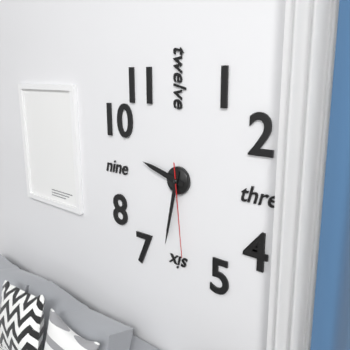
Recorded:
9,32,29
